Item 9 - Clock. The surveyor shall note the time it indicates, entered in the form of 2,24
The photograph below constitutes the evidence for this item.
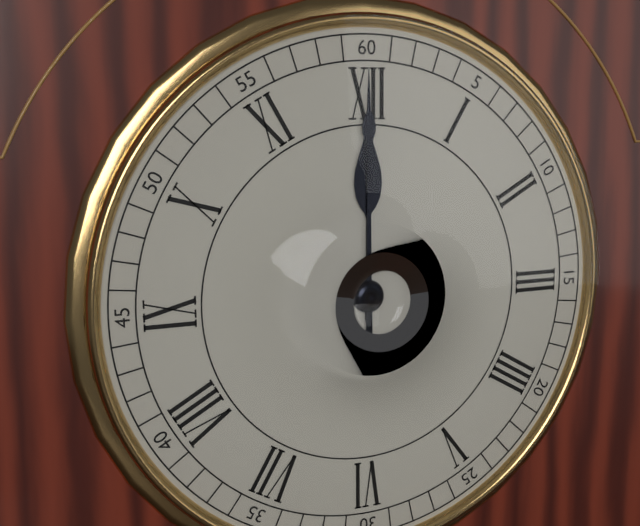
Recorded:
12,00
